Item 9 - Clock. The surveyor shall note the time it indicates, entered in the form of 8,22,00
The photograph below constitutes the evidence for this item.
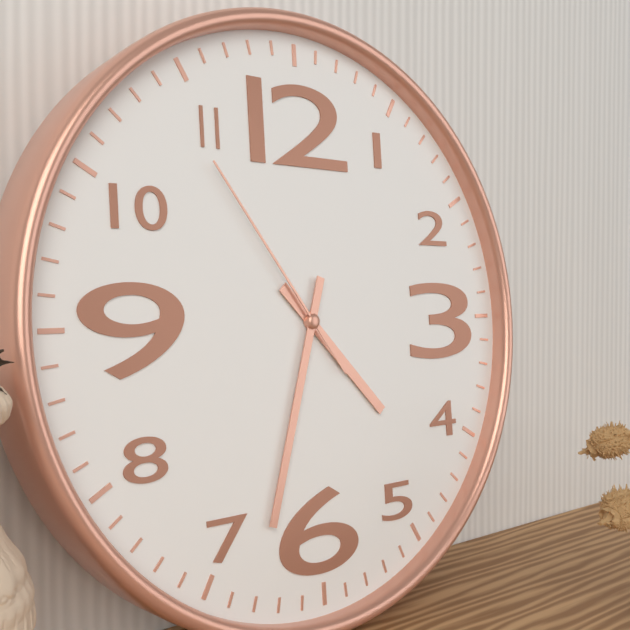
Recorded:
4,33,54
